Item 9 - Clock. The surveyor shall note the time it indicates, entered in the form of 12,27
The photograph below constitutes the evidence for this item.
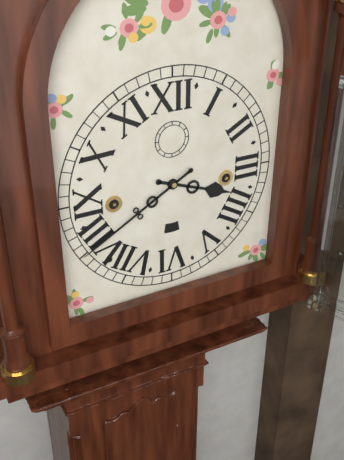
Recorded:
3,40
